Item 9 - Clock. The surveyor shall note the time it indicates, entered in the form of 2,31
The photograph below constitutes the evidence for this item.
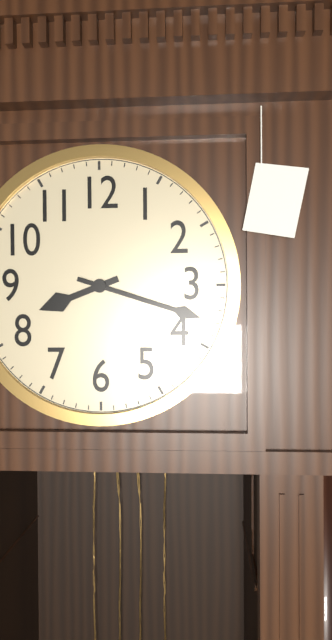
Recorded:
8,18
